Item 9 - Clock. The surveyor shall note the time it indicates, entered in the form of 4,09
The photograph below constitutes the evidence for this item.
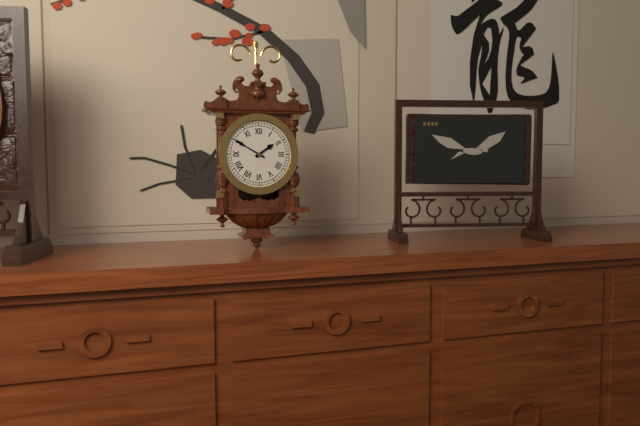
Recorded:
1,50
